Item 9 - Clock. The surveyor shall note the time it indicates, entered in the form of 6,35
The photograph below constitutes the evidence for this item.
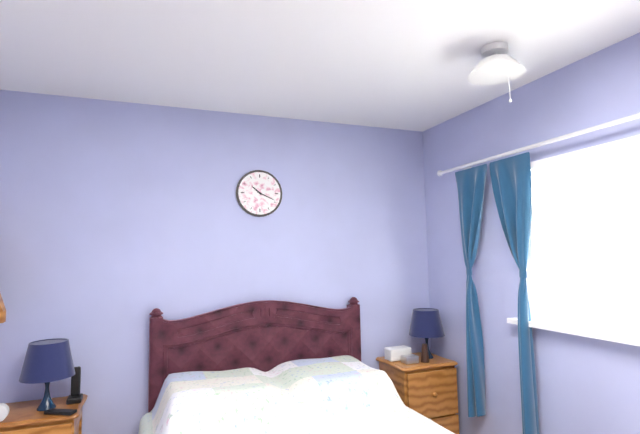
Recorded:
10,19
